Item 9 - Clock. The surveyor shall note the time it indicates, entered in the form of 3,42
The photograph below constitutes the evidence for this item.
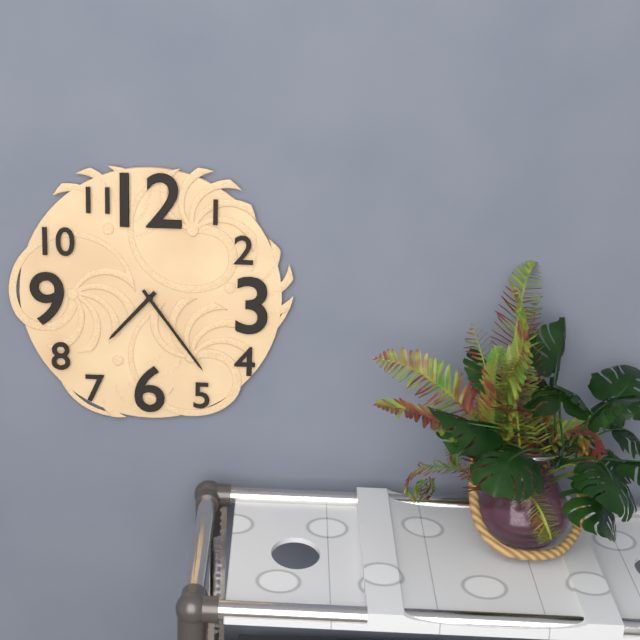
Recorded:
7,24
